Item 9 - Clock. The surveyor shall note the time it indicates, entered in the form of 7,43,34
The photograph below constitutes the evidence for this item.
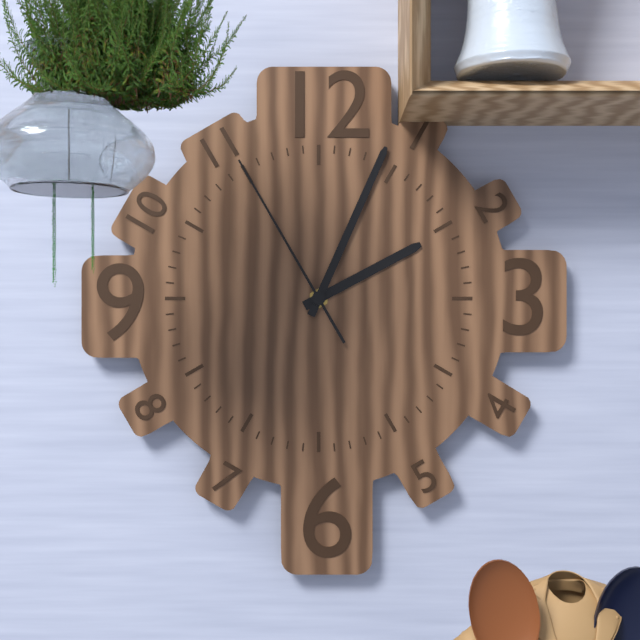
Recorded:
2,04,55
